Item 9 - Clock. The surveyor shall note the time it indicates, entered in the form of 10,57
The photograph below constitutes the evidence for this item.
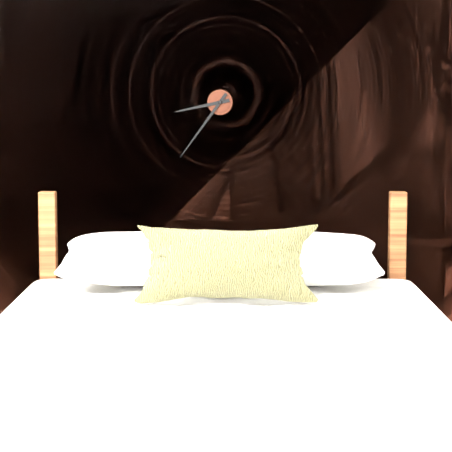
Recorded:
8,36
